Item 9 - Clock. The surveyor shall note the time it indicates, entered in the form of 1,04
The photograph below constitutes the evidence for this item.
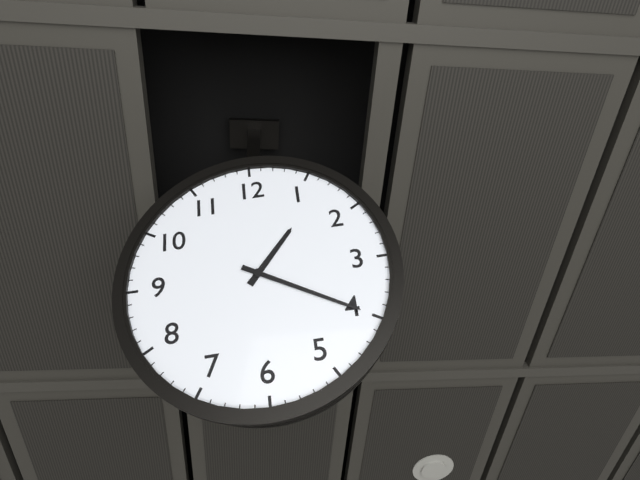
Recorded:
1,20
